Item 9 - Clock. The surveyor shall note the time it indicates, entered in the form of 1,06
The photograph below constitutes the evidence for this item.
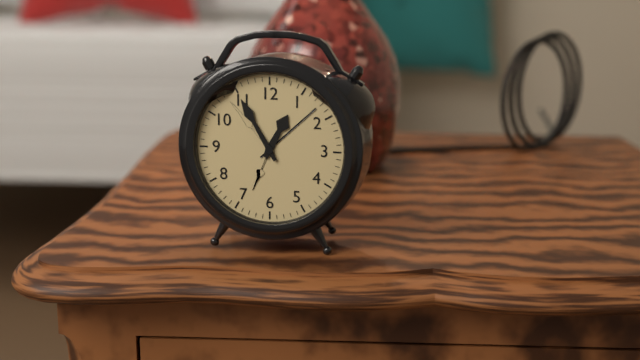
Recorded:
12,55
